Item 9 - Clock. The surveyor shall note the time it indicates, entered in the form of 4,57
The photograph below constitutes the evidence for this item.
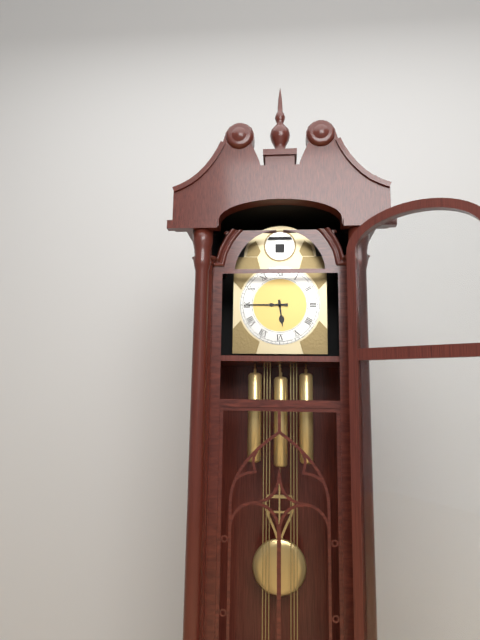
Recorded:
5,45
